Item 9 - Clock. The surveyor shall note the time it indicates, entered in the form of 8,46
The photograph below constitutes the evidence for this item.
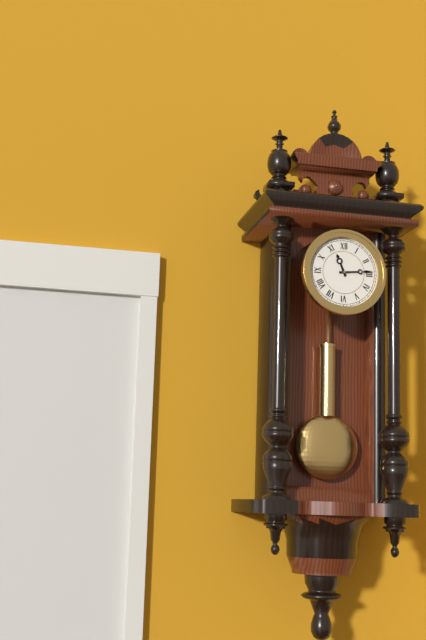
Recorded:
11,14
